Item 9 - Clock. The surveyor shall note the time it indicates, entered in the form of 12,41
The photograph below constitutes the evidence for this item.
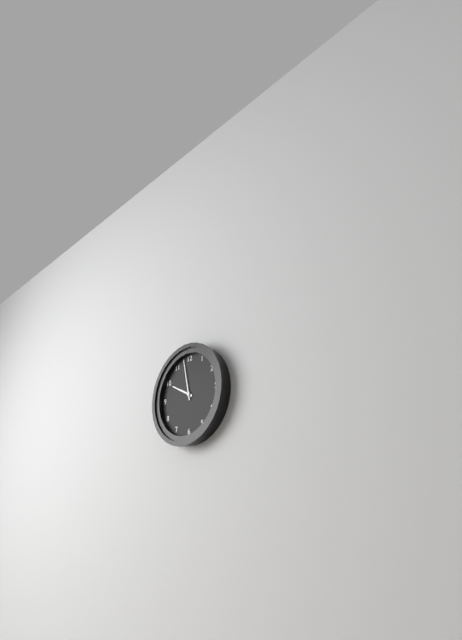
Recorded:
9,58
